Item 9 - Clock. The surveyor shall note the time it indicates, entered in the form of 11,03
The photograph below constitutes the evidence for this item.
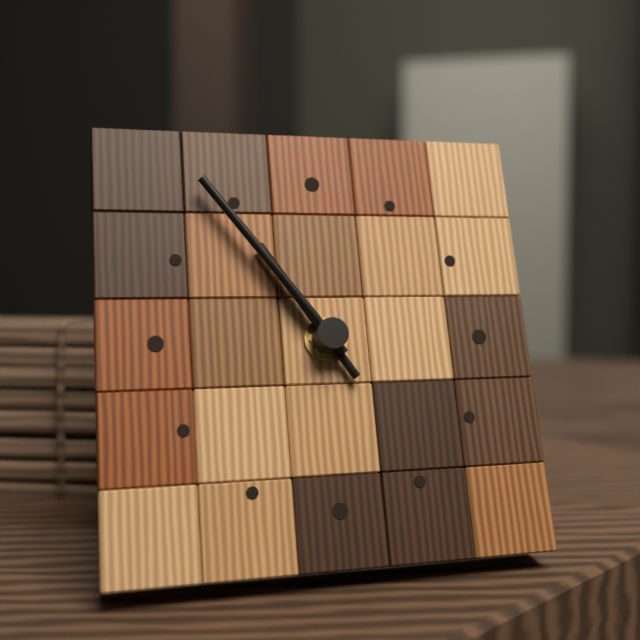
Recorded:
10,54
